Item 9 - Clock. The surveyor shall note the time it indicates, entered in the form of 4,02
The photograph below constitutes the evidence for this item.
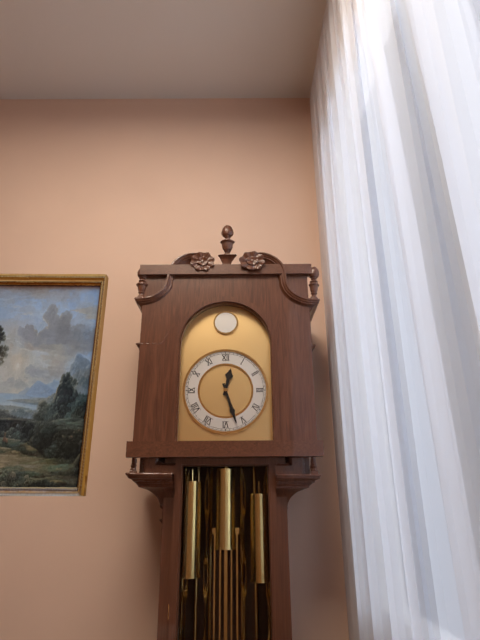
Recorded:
12,27
